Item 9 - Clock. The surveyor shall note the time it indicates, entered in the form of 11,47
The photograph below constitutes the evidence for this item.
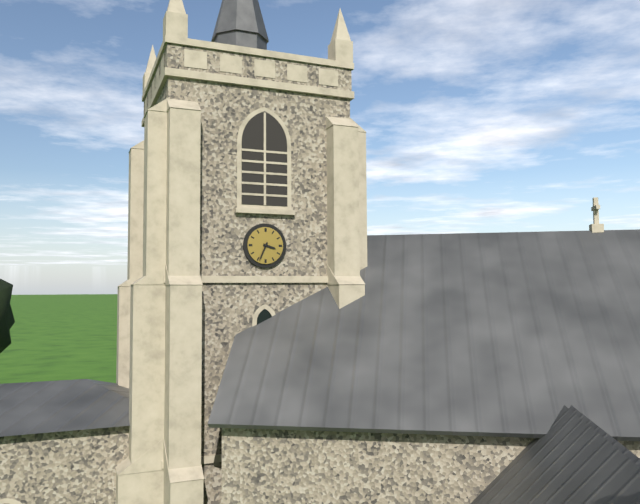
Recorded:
3,34
